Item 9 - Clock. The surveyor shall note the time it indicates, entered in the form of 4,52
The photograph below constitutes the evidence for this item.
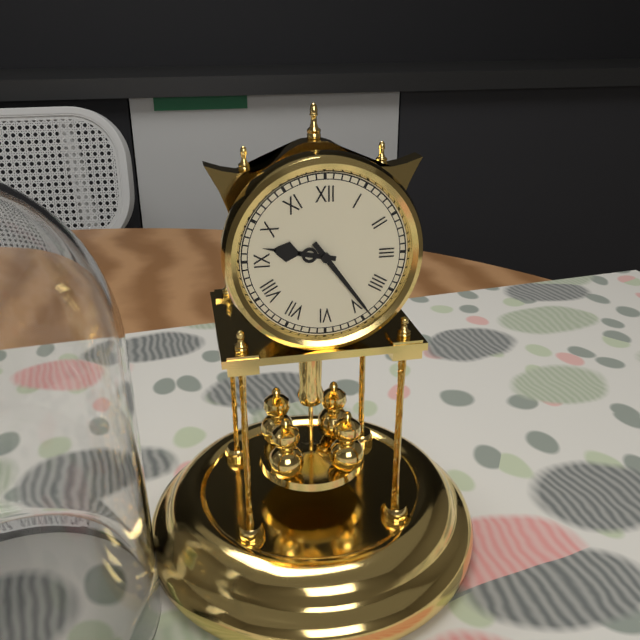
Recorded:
9,24
